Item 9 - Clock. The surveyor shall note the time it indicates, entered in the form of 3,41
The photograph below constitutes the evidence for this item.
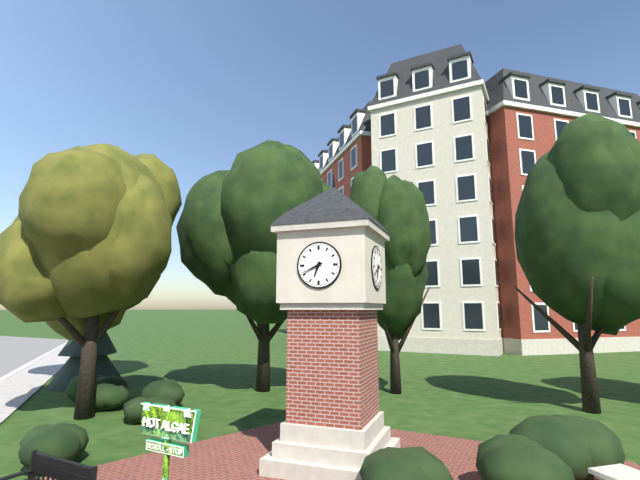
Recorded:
6,41
